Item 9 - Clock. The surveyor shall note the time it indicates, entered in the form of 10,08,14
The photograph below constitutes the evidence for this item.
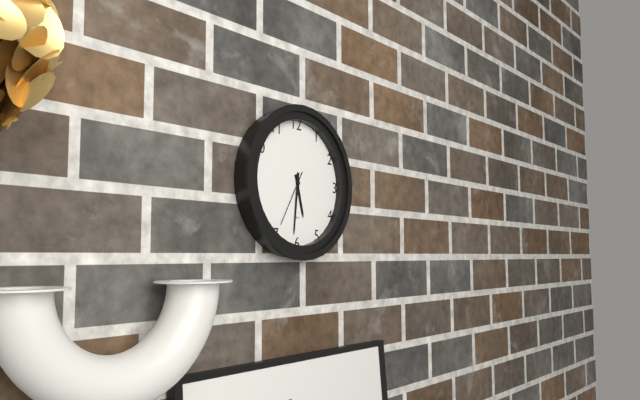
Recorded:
5,31,35
